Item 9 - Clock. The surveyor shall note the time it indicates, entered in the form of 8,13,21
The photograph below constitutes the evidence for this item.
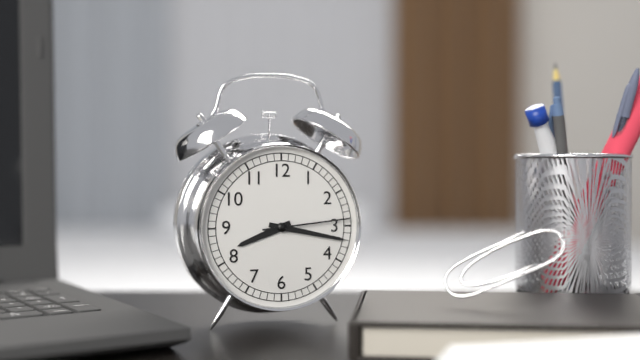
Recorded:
8,17,14
